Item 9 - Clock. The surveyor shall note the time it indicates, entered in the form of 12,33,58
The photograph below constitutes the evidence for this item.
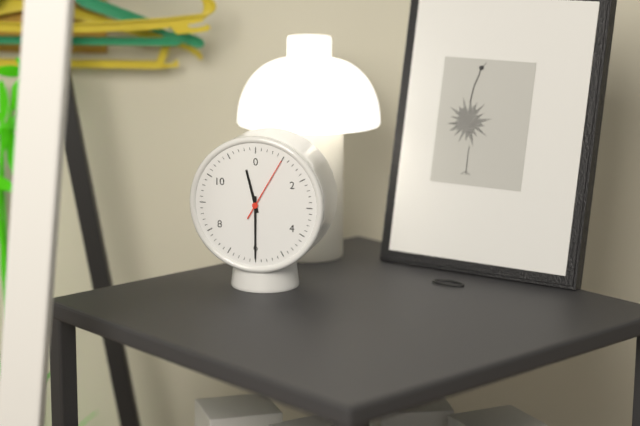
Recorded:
11,30,05
